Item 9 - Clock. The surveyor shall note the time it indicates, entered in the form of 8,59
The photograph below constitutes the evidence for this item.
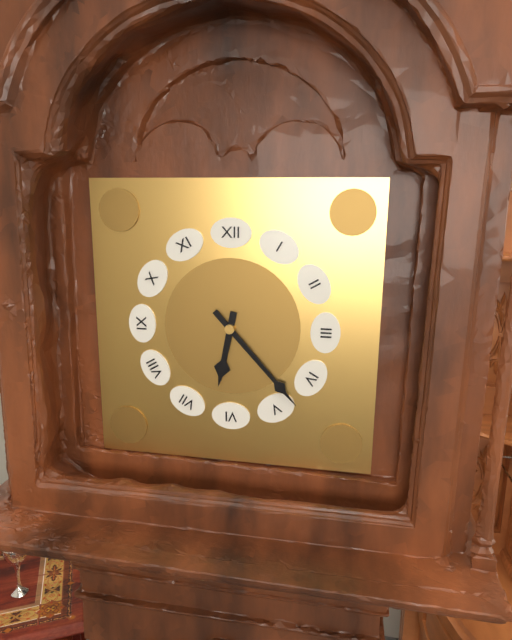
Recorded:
6,23
